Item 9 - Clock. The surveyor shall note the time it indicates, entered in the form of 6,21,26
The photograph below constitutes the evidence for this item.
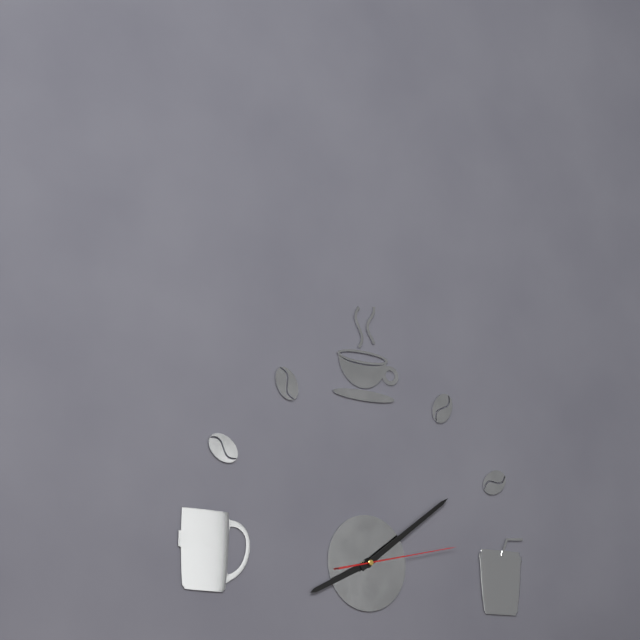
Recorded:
8,09,13
